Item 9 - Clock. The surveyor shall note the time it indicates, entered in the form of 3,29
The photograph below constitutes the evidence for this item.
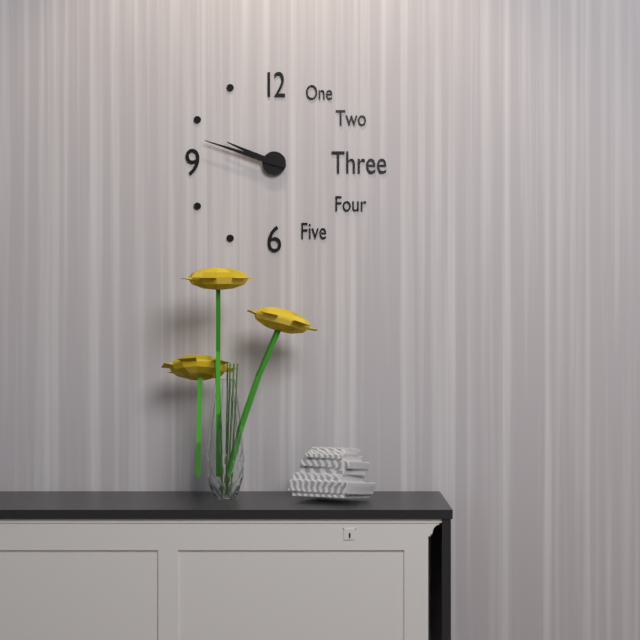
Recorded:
9,48
